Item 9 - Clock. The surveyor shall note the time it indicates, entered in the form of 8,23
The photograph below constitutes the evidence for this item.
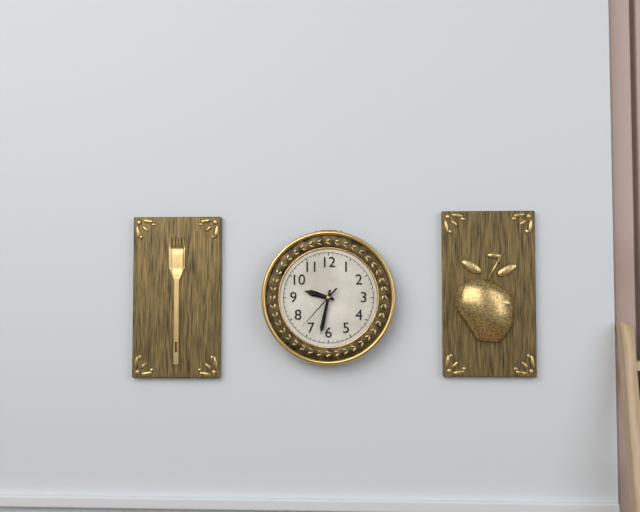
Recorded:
9,32
